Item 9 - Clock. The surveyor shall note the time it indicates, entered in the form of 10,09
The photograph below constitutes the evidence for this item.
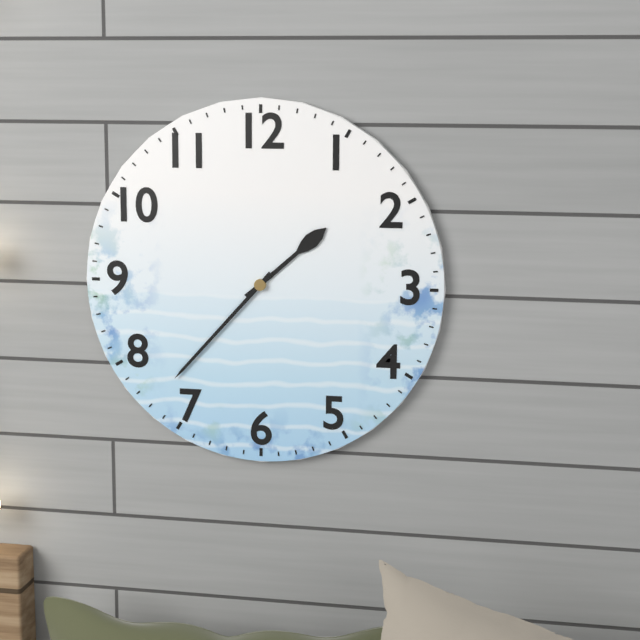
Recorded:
1,37
